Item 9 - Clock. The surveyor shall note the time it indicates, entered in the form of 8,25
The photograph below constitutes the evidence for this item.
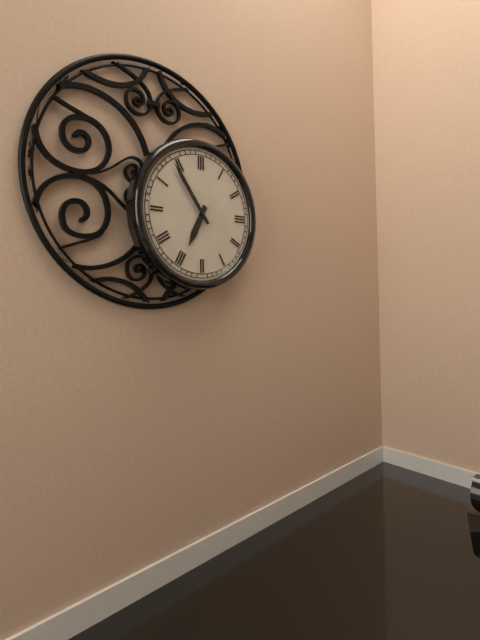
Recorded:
6,54
